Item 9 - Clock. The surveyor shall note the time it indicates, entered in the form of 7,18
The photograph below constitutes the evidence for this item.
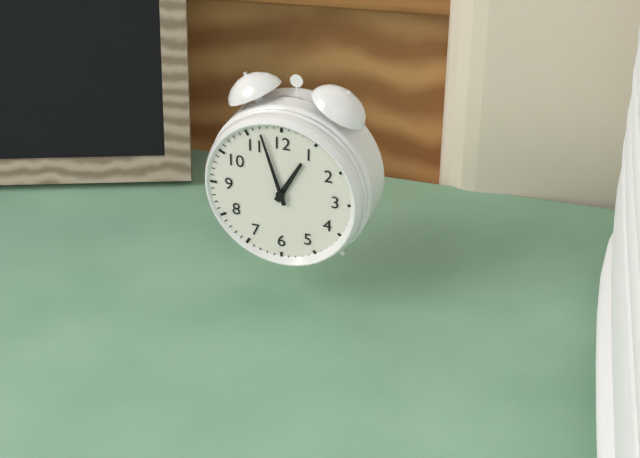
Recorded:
12,57
